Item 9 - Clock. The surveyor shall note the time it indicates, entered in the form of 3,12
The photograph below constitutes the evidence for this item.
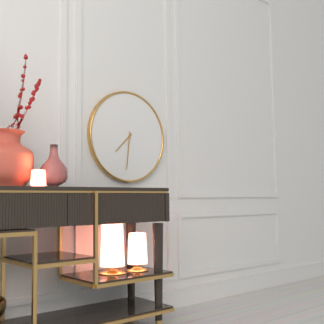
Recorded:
7,31
